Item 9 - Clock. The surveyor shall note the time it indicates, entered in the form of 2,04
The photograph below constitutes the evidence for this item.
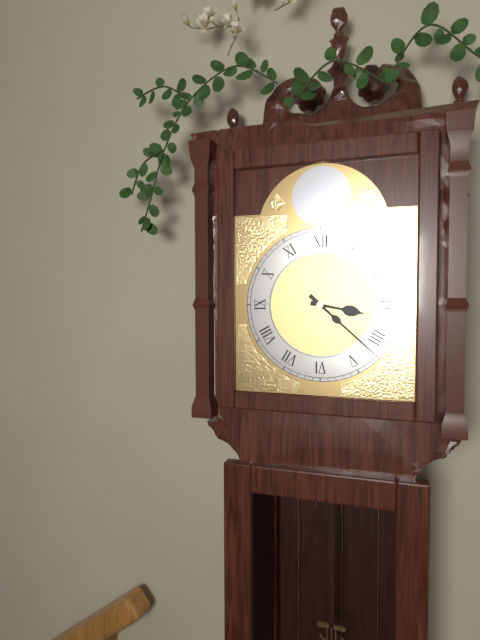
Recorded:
3,22
